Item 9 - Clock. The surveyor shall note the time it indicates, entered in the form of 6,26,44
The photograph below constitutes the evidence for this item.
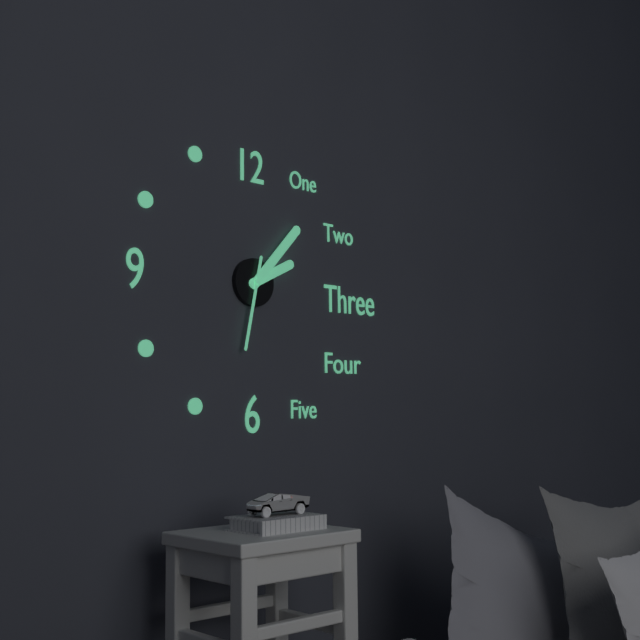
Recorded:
2,07,32
